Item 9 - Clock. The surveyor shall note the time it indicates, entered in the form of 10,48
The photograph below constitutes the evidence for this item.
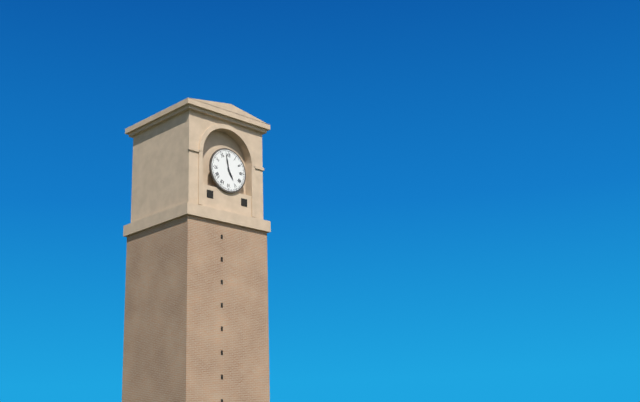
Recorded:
4,58
